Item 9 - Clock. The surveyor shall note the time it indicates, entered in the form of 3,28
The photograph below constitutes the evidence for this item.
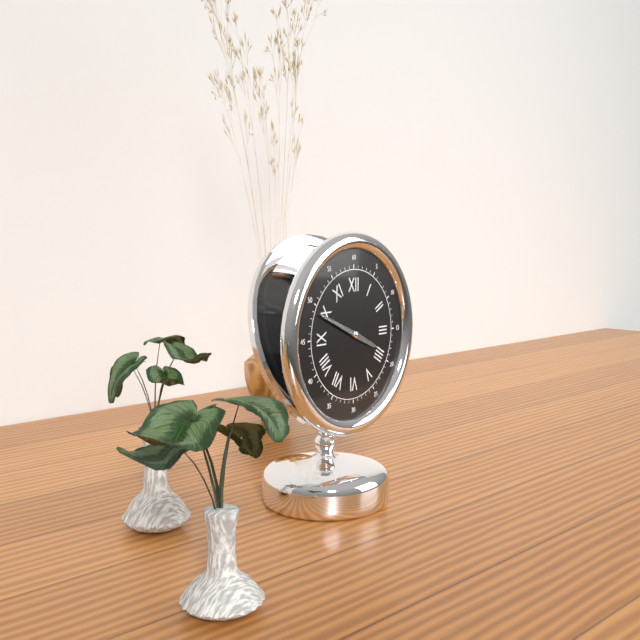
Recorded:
3,49
